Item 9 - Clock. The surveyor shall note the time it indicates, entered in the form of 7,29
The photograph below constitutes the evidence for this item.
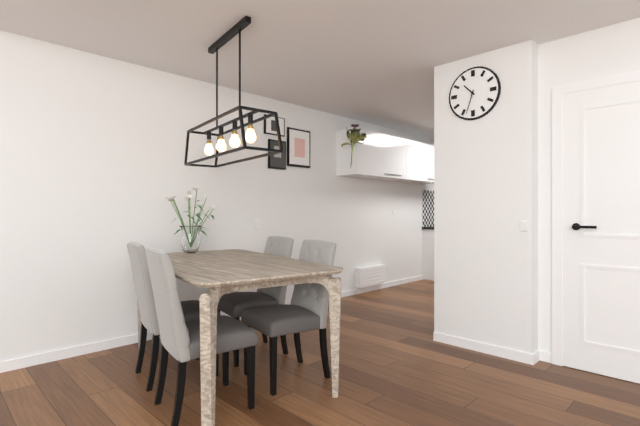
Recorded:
10,33
